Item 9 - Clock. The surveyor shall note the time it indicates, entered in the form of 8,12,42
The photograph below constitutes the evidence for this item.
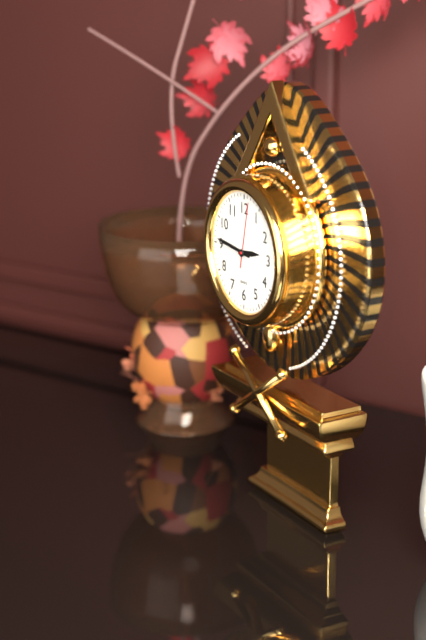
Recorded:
2,46,02
